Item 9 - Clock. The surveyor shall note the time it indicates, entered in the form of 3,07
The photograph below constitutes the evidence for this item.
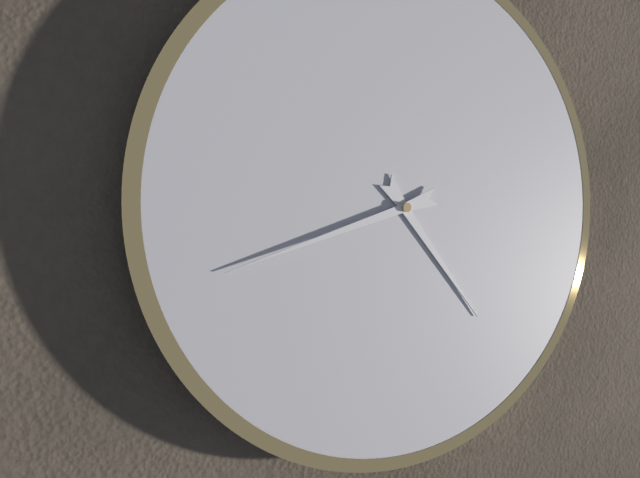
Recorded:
4,42
